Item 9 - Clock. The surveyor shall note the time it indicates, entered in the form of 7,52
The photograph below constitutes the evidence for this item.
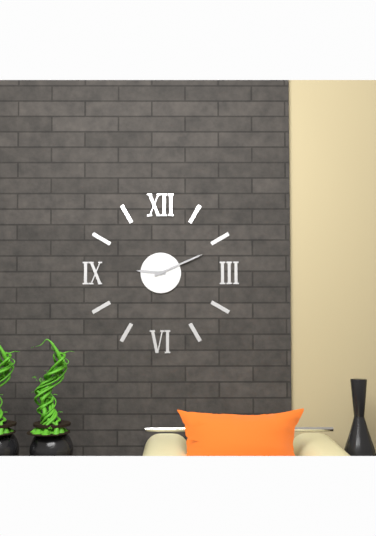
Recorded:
9,11
